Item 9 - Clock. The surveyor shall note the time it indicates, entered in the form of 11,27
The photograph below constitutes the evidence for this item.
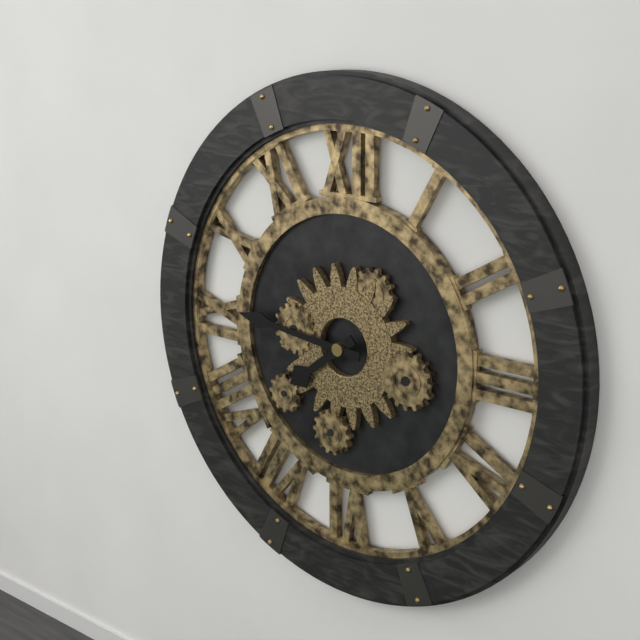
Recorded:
7,46
